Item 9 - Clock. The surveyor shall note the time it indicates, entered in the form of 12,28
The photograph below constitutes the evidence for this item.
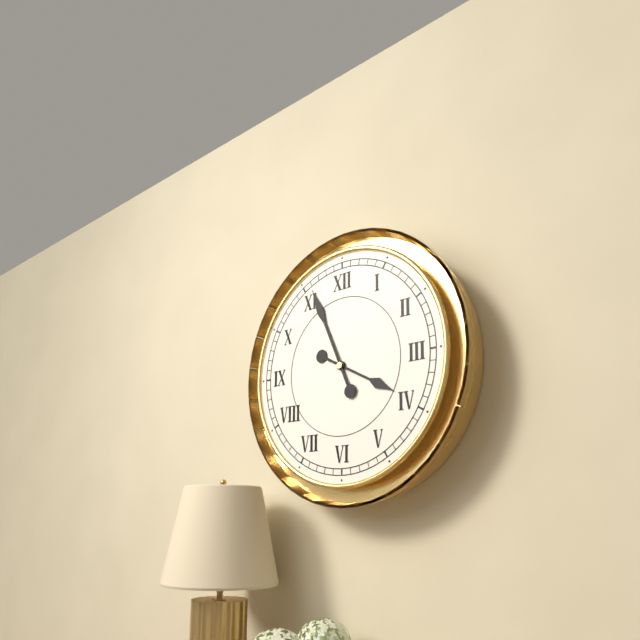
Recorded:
3,56
